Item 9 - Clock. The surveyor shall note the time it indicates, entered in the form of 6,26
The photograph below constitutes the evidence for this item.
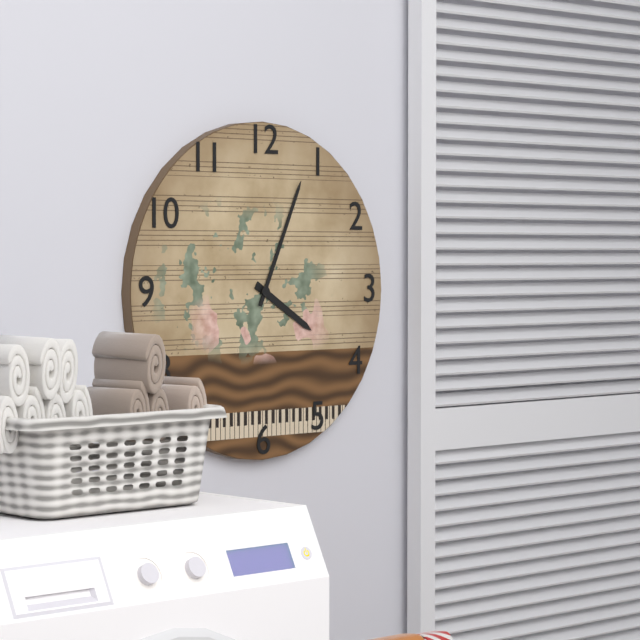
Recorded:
4,04
